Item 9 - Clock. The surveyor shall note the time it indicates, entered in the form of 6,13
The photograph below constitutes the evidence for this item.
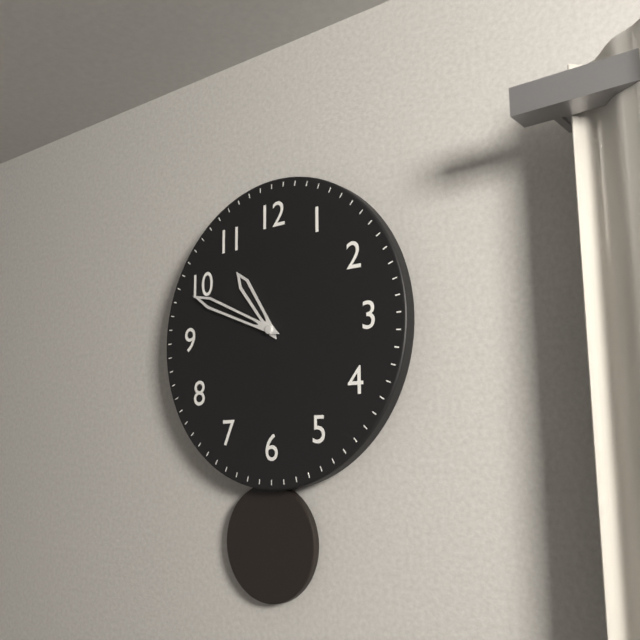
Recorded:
10,49
